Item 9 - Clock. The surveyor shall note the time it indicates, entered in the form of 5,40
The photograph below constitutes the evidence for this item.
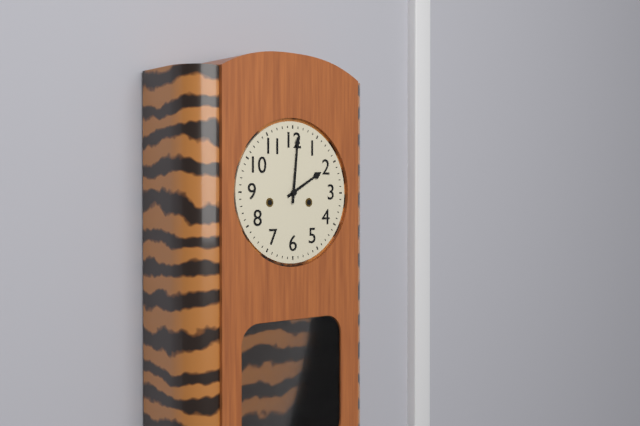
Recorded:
2,01
